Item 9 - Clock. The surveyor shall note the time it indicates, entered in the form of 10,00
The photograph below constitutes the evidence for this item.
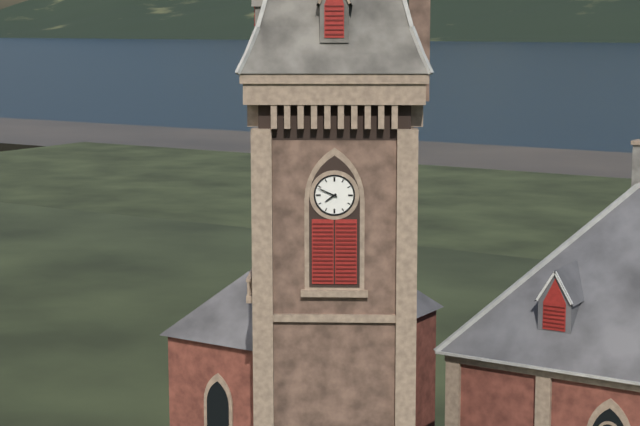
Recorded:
7,49
